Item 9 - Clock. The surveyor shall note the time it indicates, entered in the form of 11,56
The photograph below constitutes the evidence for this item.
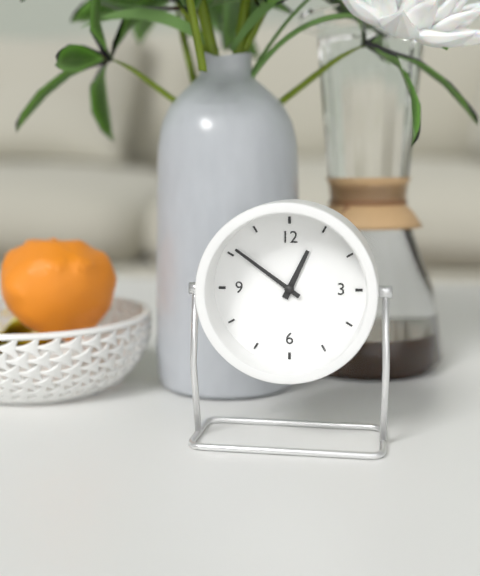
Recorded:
12,51
